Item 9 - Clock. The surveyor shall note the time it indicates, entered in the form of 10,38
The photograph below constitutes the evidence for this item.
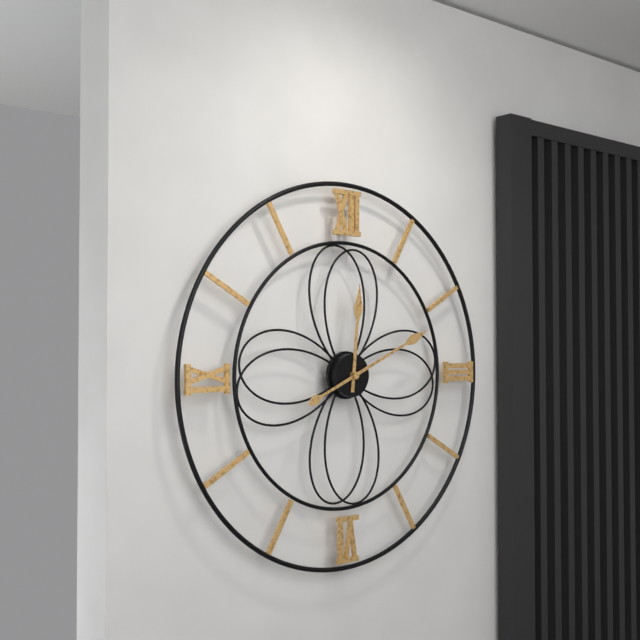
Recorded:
12,11
